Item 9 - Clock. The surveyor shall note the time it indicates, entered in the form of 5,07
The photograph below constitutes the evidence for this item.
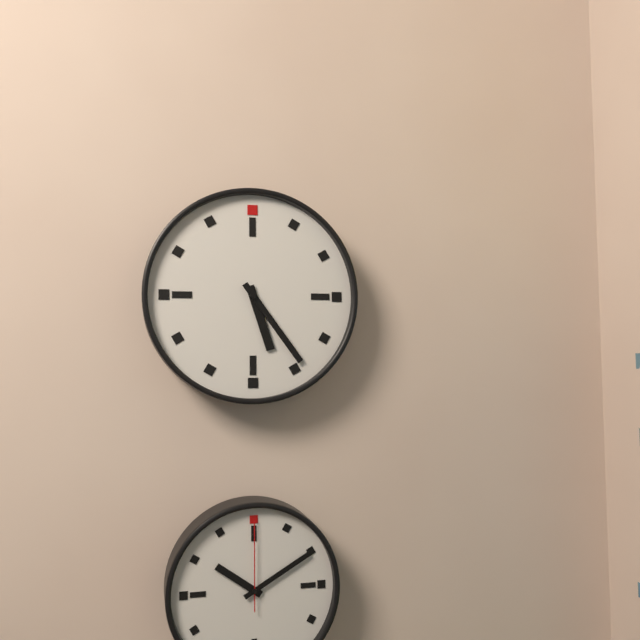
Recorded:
5,24
